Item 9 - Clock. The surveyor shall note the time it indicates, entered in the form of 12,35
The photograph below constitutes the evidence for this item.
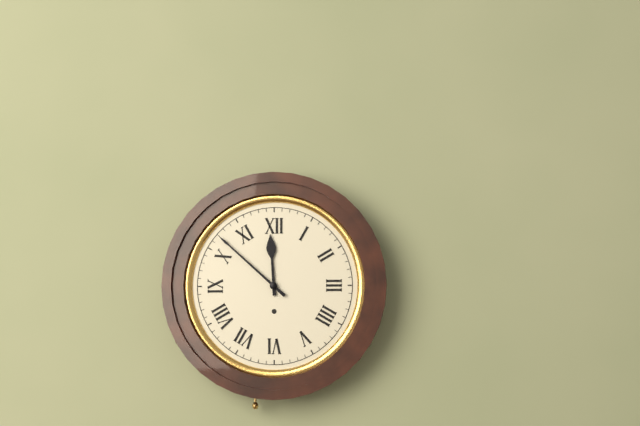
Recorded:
11,52
